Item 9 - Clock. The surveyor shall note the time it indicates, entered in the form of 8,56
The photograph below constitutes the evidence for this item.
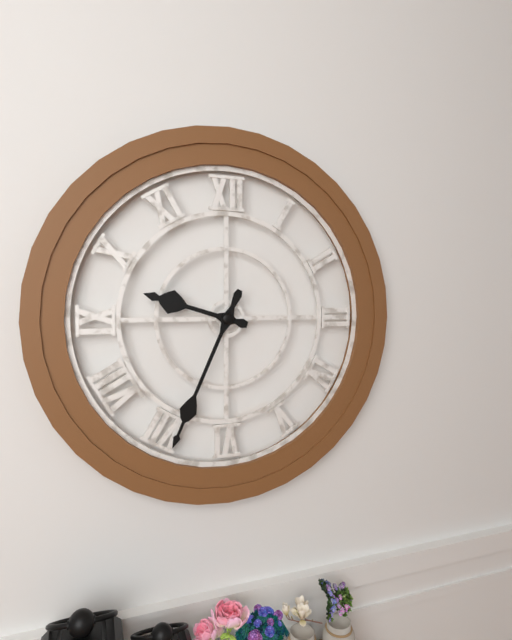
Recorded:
9,34
